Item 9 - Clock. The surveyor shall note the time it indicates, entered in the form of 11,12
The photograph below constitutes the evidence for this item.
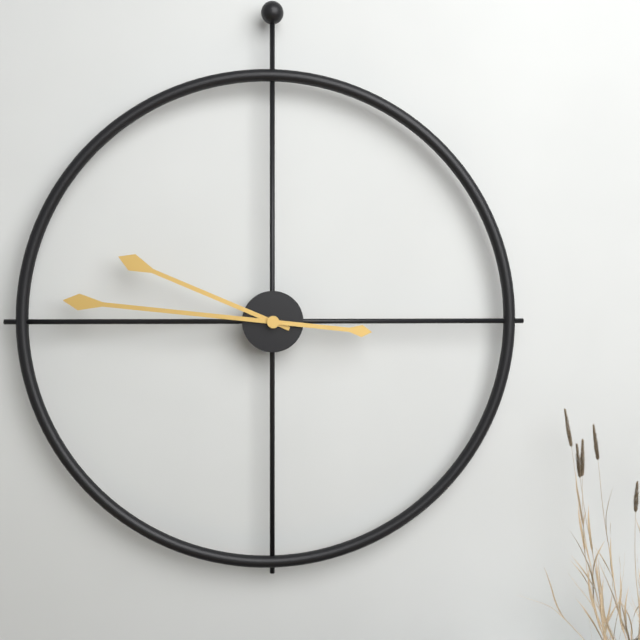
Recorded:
9,46
